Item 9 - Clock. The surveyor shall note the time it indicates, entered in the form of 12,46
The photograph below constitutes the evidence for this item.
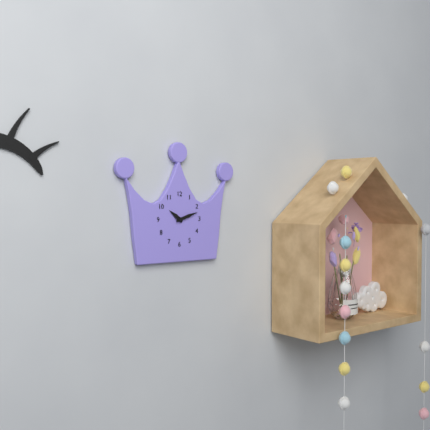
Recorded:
10,12
